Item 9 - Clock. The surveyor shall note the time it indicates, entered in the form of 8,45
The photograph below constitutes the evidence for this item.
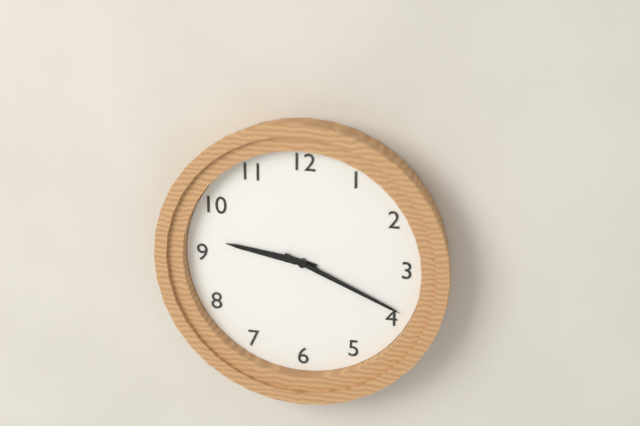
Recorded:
9,19
